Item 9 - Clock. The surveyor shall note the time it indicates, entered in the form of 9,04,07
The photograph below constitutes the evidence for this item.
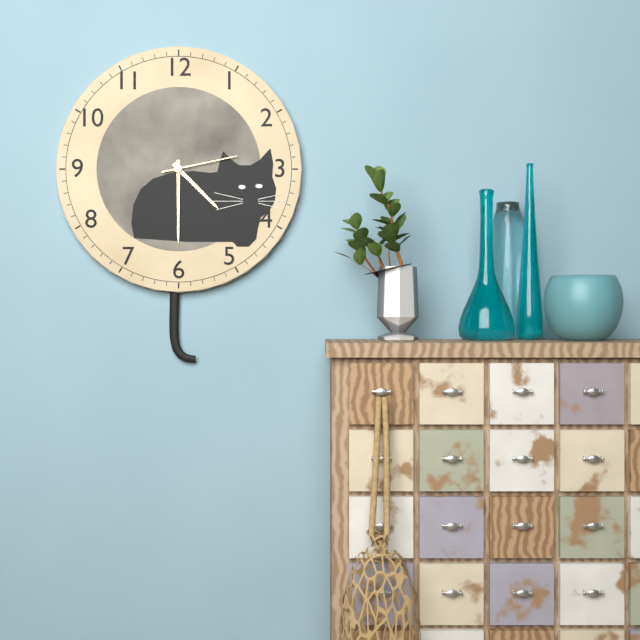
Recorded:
4,30,13
